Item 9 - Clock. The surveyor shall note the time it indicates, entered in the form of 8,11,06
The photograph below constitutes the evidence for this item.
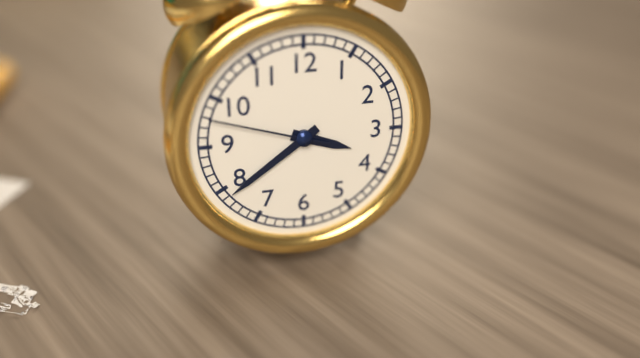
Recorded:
3,39,48
